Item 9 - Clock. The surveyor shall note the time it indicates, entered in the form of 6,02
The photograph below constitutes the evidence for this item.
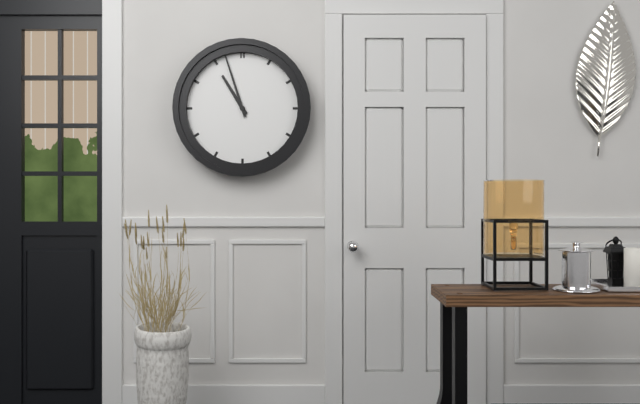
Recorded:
10,57
